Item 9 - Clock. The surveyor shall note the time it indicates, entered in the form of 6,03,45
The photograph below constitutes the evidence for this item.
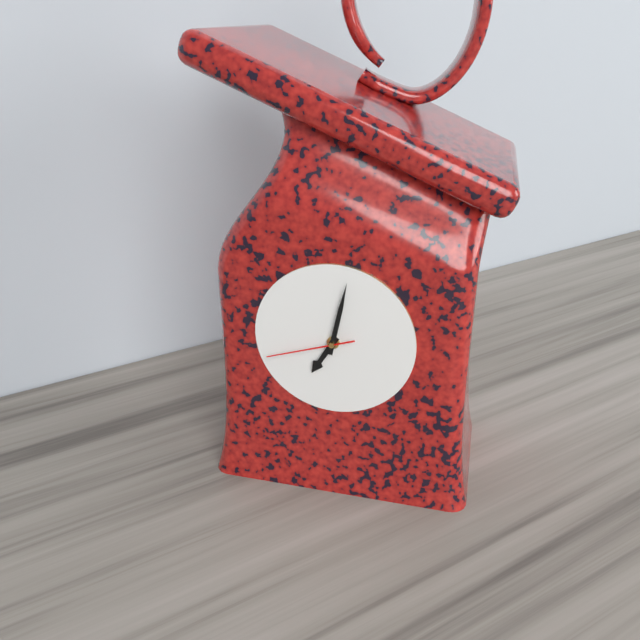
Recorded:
7,02,42
